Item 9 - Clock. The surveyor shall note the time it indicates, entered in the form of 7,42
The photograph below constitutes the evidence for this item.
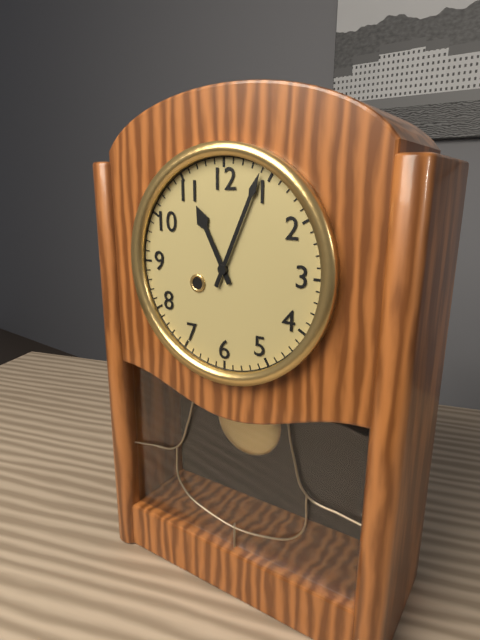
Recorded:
11,04
